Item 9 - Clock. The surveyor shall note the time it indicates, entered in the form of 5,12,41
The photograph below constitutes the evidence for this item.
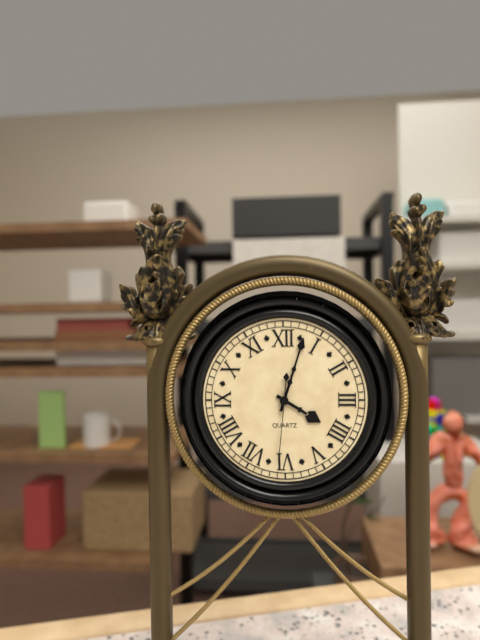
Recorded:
4,03,31
